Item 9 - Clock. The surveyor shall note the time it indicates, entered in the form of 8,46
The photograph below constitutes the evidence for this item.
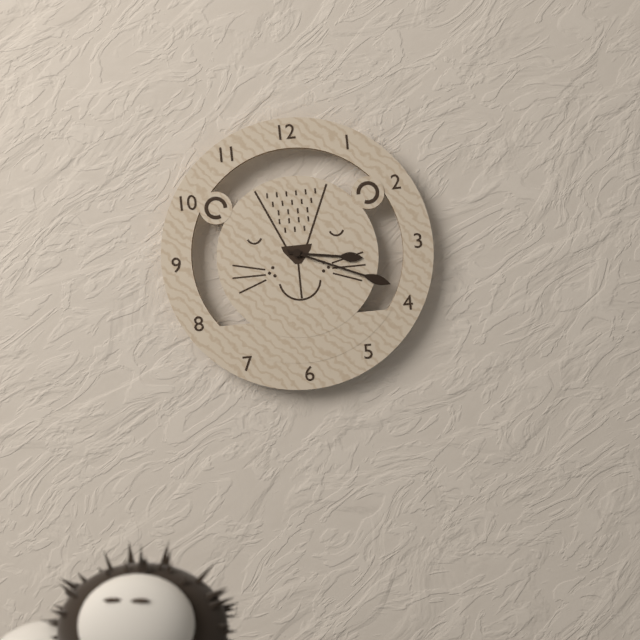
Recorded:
3,19
